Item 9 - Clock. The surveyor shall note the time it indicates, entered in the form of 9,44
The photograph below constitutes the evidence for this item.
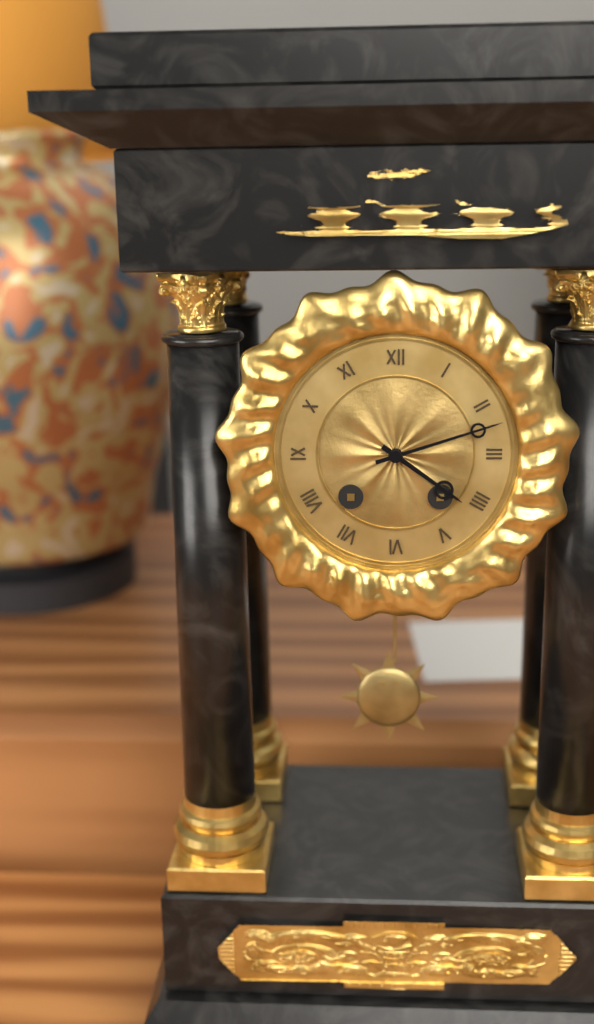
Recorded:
4,12
